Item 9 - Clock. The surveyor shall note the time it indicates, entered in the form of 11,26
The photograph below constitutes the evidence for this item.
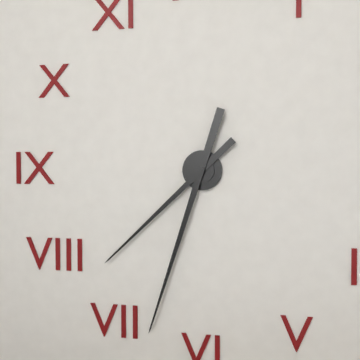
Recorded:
7,33
